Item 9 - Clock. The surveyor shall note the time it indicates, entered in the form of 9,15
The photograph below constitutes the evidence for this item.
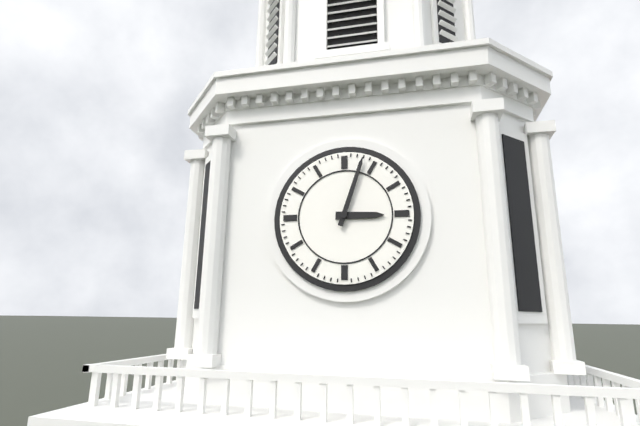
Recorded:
3,03
